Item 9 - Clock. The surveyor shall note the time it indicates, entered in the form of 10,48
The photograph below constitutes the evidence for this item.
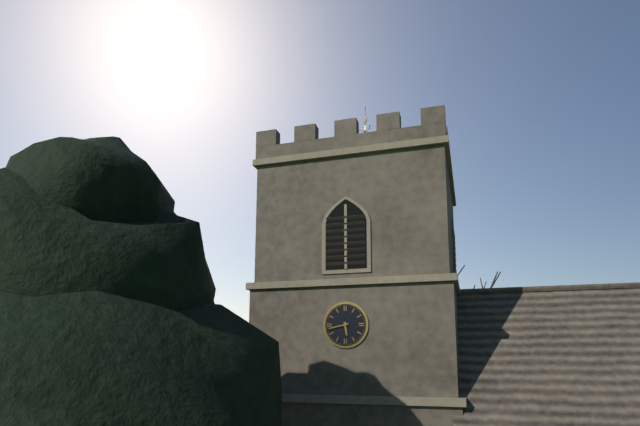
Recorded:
5,43
